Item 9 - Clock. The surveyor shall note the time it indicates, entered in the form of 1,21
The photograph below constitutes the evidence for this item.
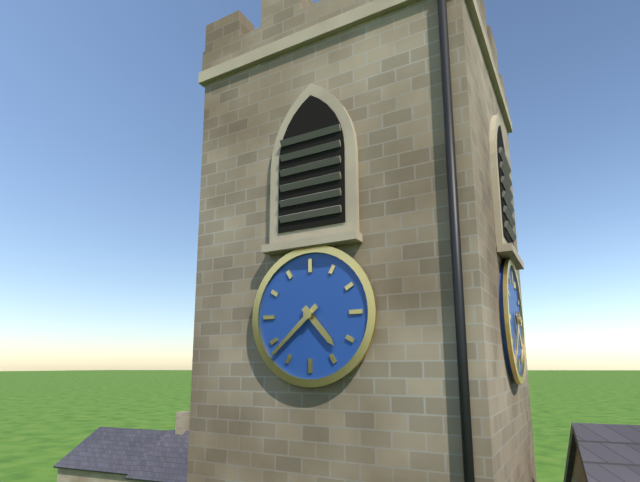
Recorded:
4,38
